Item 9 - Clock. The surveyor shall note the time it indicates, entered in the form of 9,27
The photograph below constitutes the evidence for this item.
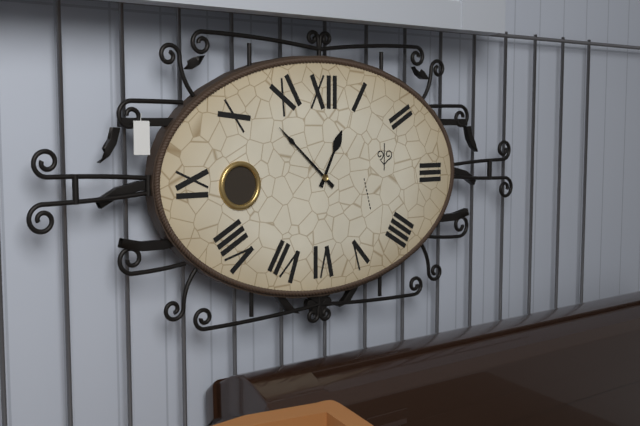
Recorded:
12,52
